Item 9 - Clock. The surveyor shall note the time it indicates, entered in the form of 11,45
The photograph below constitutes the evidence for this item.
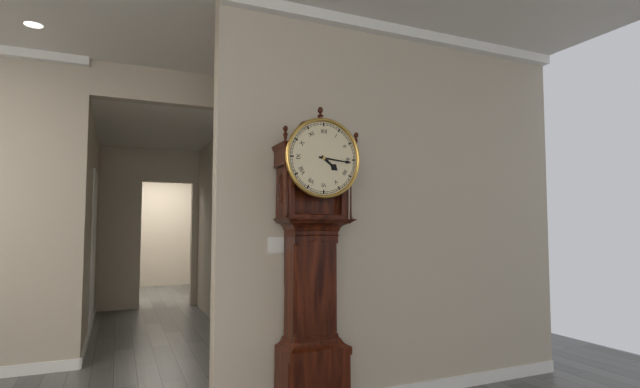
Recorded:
4,16
